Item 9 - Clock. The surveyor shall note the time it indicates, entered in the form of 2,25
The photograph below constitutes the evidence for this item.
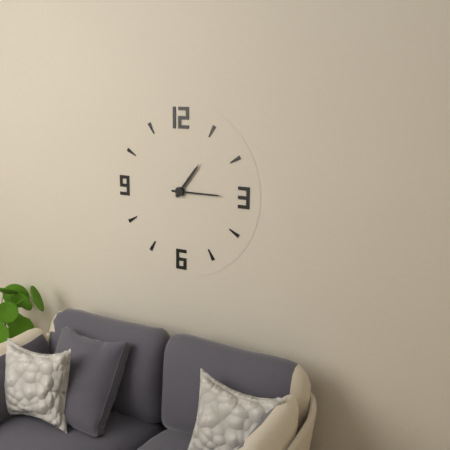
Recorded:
1,15
